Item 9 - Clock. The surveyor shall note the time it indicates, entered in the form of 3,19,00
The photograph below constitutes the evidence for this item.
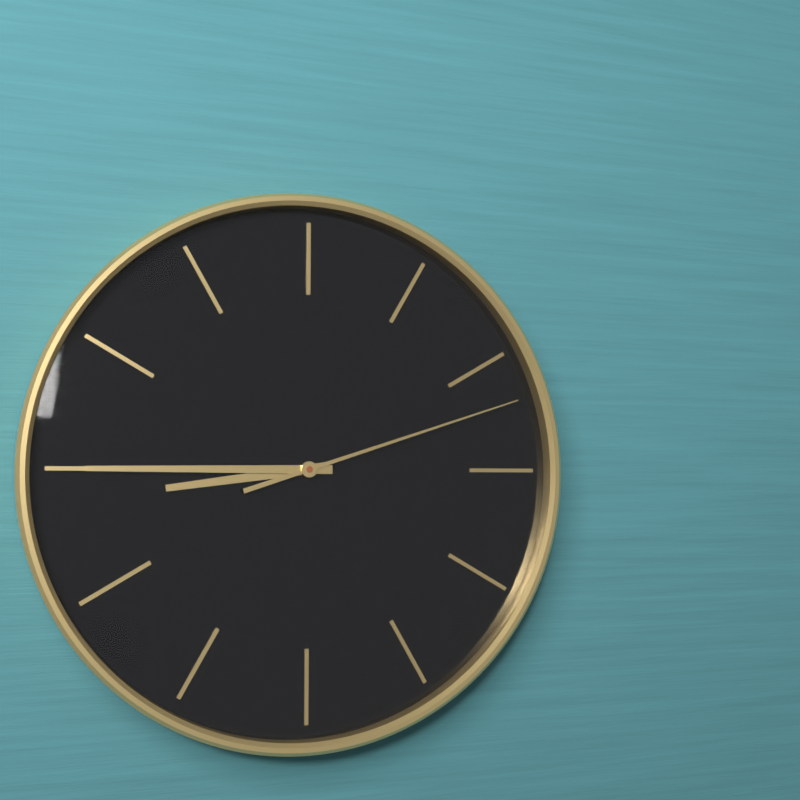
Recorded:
8,45,12
